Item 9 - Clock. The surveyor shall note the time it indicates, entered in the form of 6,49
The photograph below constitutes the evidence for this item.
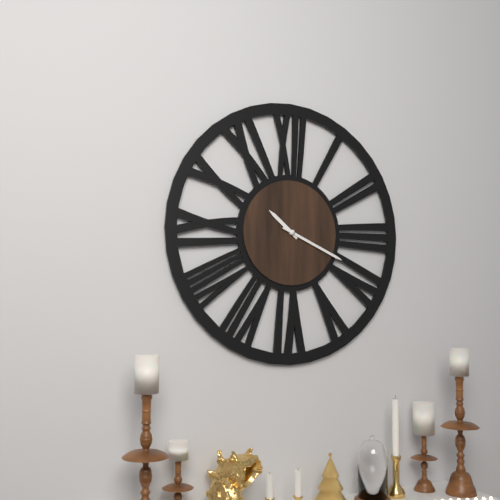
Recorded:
10,19
